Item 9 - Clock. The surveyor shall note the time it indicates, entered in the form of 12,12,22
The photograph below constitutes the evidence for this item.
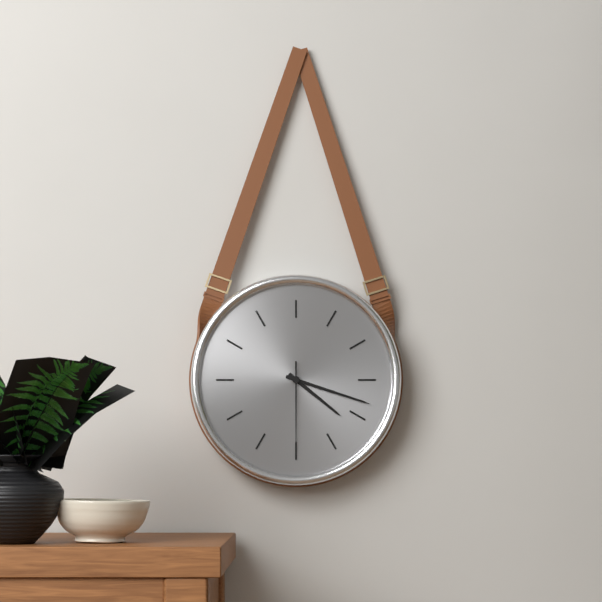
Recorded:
4,18,30
